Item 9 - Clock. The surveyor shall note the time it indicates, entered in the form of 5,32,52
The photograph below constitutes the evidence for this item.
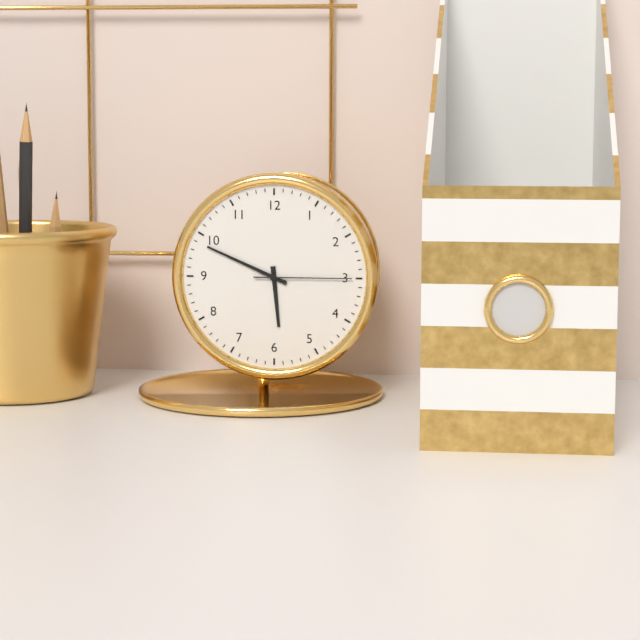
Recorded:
5,49,15
